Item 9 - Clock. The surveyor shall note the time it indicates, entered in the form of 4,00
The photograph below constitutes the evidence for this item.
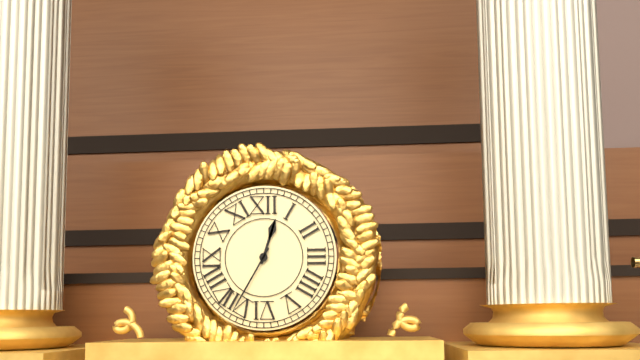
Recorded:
12,35
